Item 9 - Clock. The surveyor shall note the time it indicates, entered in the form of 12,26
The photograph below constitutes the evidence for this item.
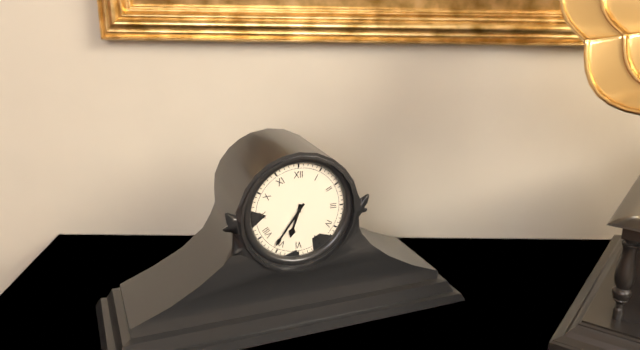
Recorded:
6,36
